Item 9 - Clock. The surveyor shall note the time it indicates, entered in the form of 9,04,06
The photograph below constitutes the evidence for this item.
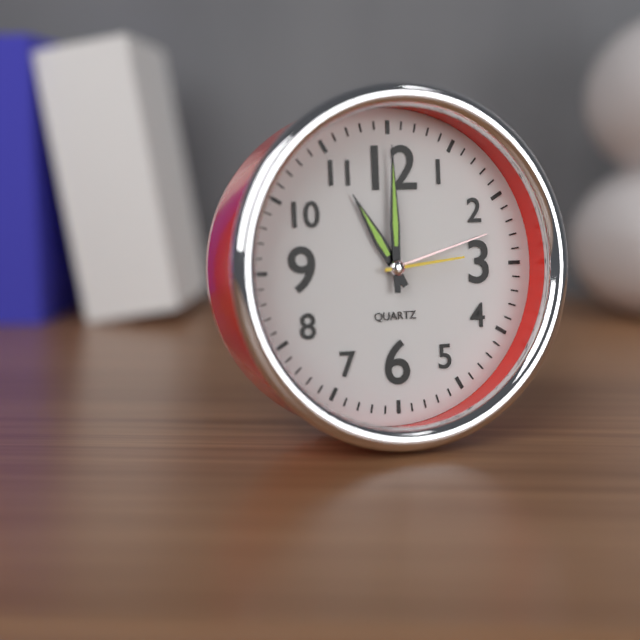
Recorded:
11,00,14
